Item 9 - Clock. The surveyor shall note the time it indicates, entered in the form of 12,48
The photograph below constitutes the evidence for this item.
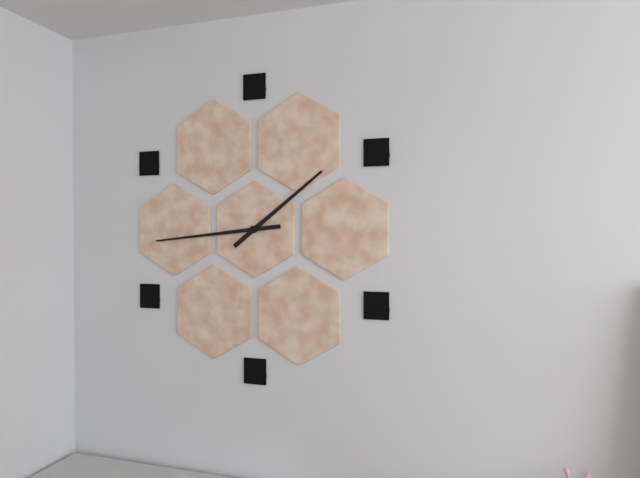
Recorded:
1,44
